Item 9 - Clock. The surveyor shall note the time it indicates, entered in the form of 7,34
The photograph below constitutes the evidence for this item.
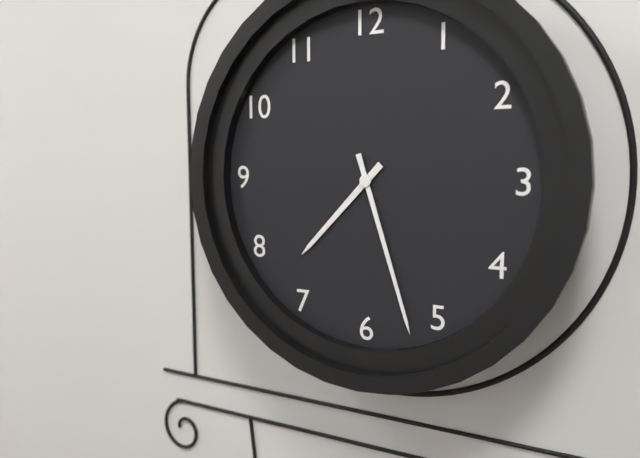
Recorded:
7,27
